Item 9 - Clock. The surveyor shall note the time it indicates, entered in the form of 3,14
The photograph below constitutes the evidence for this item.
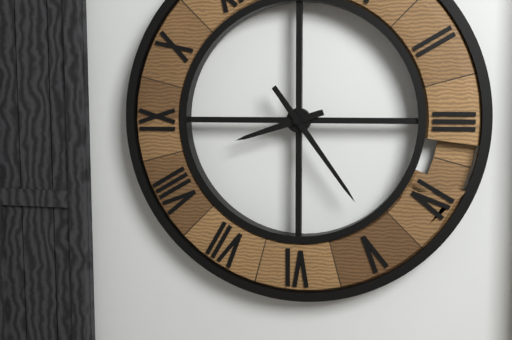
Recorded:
8,24
